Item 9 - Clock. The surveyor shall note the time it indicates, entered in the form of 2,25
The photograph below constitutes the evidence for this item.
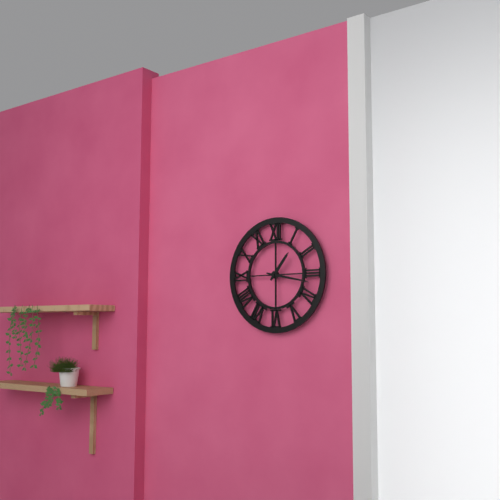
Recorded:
1,17
